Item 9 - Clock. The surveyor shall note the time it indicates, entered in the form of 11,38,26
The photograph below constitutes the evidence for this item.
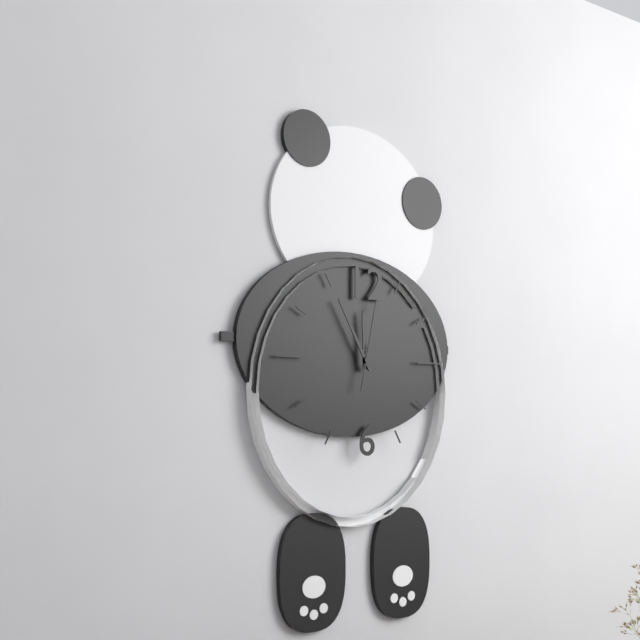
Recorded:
11,55,02
